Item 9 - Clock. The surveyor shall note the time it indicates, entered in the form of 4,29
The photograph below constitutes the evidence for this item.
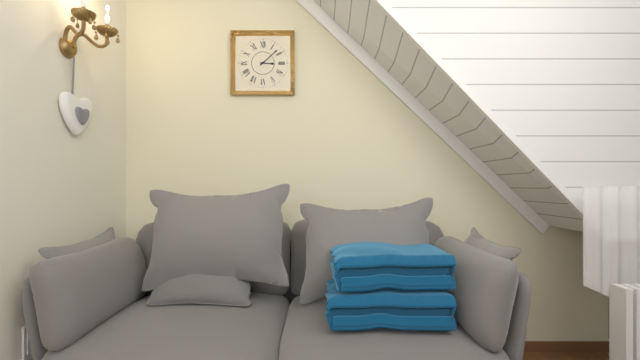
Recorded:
3,08
